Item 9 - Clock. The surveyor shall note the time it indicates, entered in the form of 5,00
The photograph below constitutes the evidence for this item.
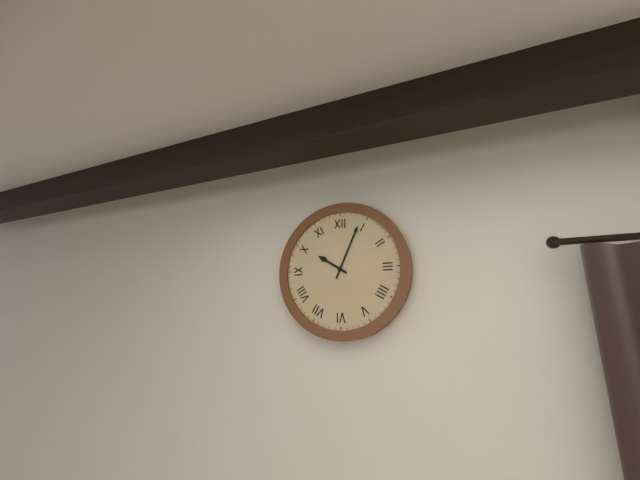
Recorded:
10,04
